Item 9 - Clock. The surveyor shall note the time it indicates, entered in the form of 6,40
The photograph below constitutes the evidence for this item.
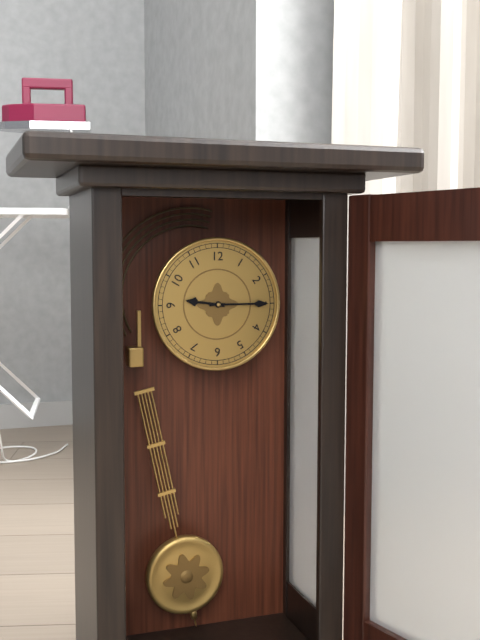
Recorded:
9,15
